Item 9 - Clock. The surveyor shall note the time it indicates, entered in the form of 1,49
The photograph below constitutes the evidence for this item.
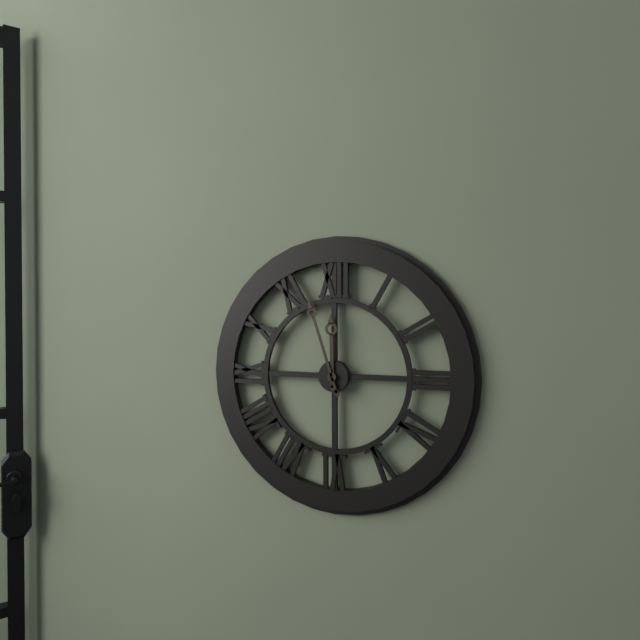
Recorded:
11,57
